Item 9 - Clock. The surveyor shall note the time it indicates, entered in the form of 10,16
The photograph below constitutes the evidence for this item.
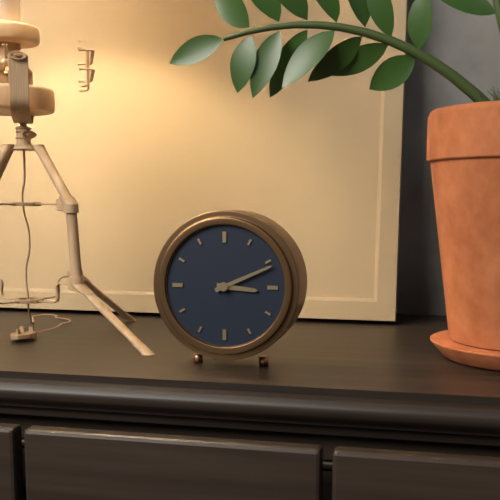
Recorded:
3,11
